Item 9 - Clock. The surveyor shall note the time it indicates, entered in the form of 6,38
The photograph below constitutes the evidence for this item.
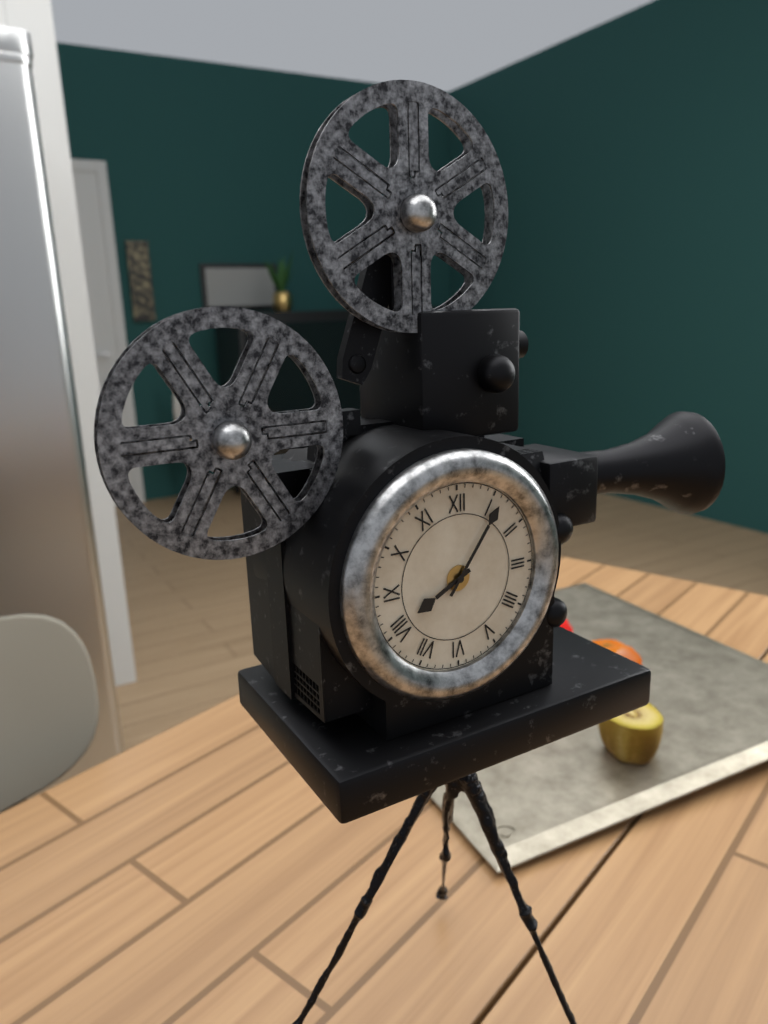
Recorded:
8,06
